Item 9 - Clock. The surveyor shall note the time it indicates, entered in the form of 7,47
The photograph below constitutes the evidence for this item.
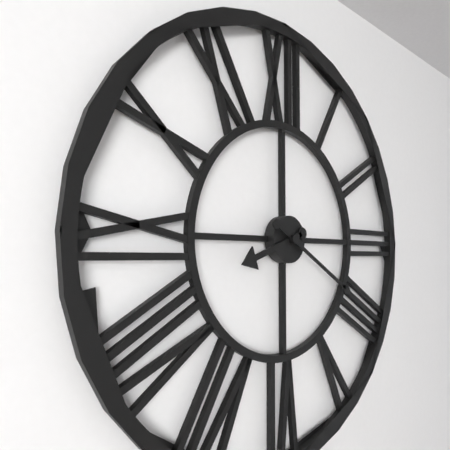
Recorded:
8,20
